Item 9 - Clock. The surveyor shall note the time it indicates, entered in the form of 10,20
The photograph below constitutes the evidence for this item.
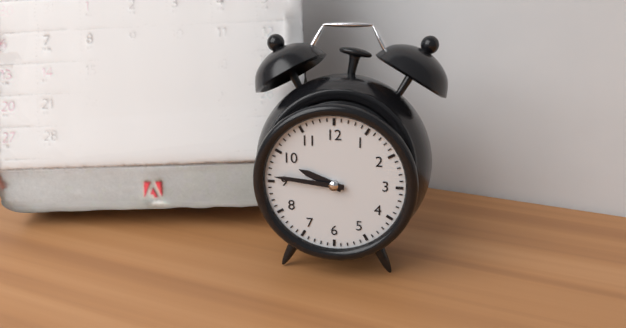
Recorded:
9,46
